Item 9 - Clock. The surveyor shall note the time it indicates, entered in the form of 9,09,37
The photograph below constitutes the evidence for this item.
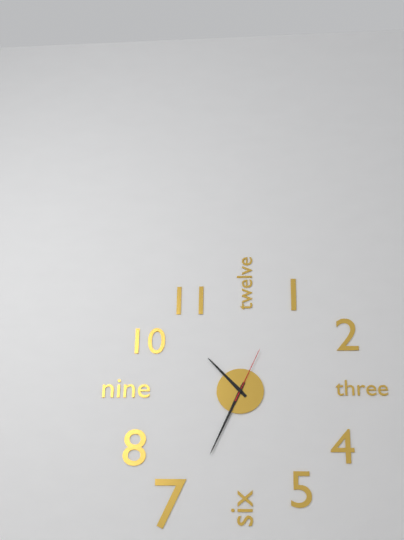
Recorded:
10,34,04
